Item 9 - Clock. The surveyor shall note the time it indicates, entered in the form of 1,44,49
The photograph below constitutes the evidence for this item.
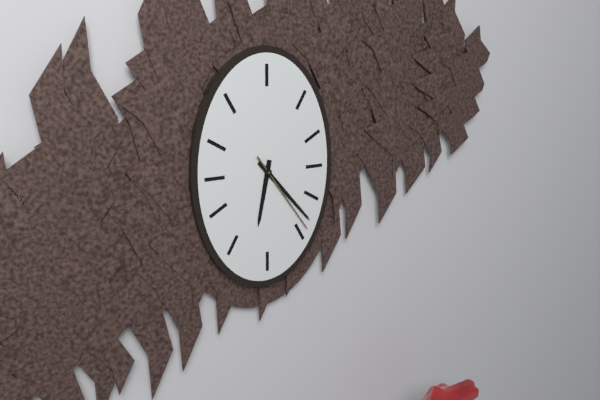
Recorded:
6,23,24
